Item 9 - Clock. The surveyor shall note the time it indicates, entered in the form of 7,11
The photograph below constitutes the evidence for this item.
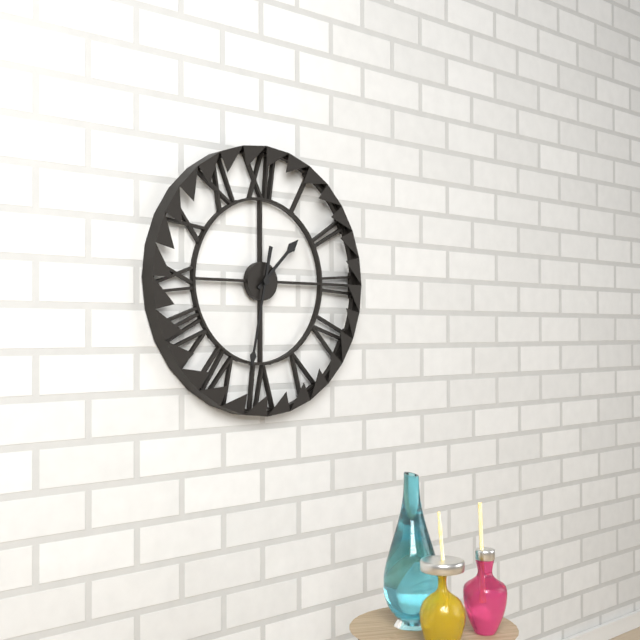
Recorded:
1,32
